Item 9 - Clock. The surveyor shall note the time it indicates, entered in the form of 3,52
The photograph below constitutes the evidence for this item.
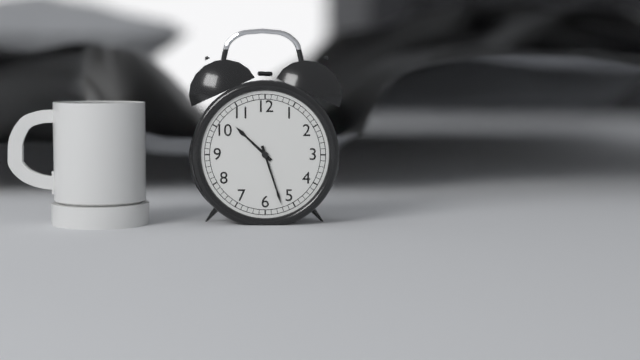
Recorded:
10,27
